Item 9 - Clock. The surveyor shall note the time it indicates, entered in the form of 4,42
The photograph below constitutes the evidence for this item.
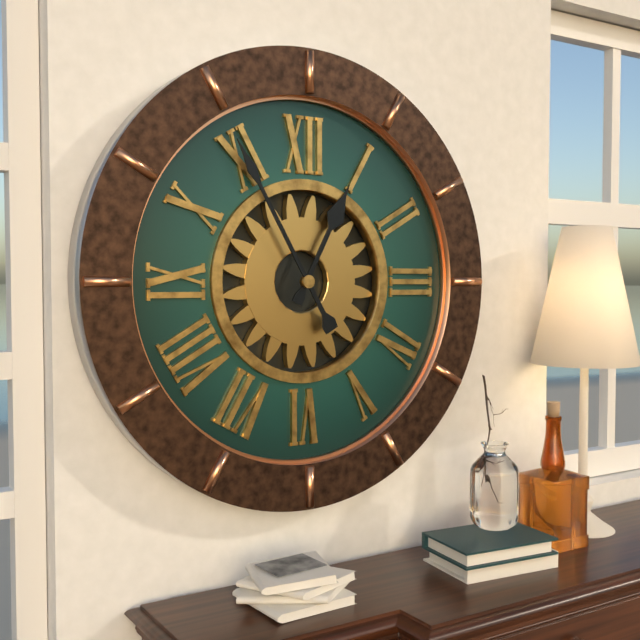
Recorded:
12,55
